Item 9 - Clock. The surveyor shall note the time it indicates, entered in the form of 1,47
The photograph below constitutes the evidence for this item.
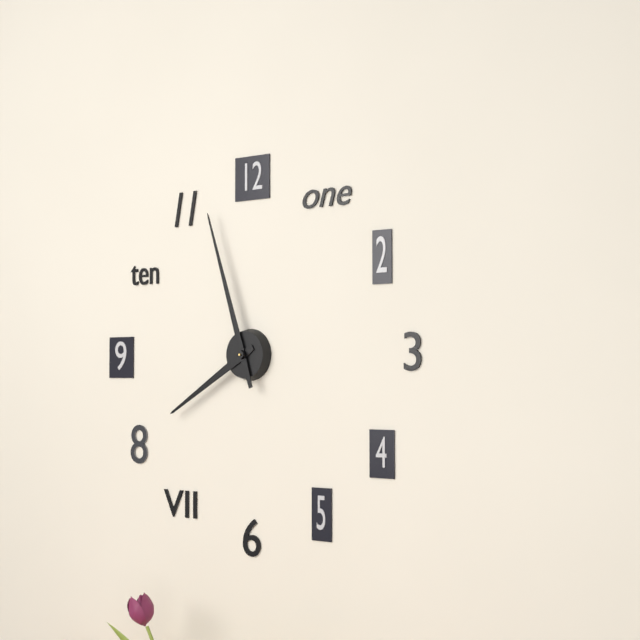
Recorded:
7,57
